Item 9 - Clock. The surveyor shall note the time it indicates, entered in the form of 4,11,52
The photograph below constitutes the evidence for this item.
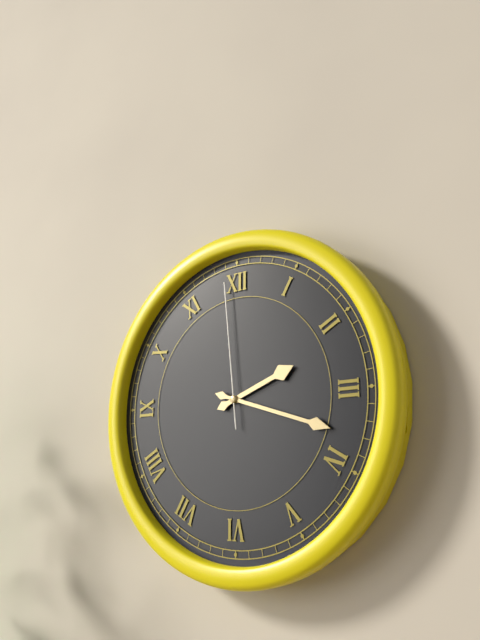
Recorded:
2,18,59
